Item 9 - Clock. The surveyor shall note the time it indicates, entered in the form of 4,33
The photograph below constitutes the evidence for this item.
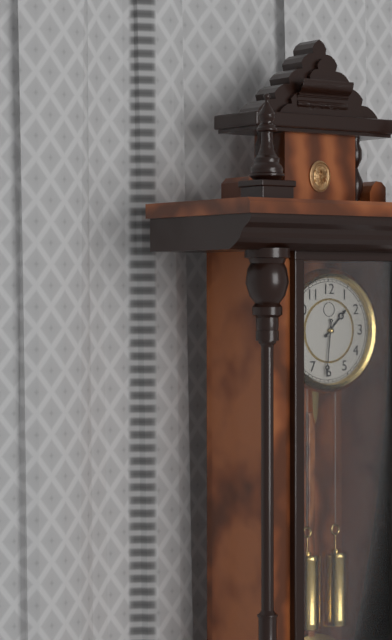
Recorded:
1,31
